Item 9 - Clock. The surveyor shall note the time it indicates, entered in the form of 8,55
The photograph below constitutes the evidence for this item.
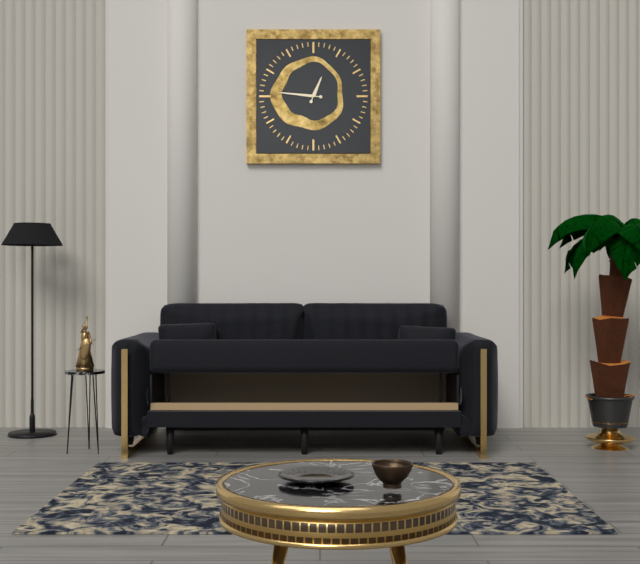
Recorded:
12,46
